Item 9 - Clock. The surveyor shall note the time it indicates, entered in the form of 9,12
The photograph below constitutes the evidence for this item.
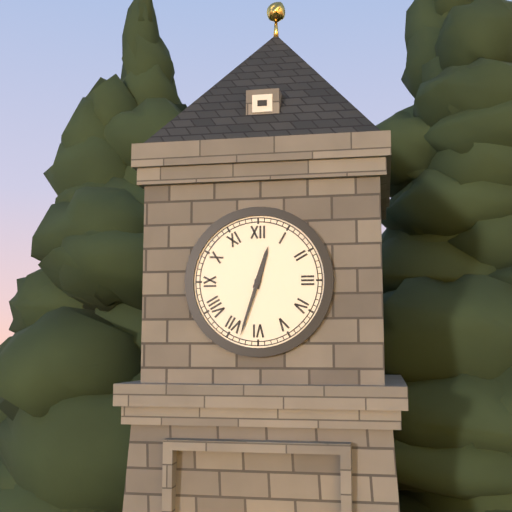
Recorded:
12,33
